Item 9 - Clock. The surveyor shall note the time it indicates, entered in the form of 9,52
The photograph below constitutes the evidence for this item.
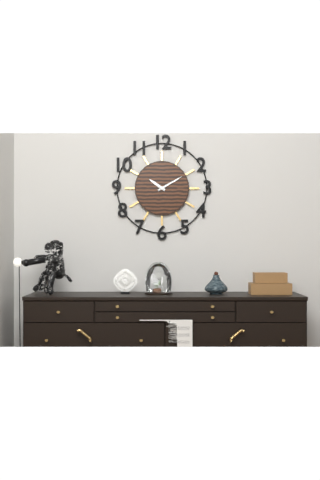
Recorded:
10,10
